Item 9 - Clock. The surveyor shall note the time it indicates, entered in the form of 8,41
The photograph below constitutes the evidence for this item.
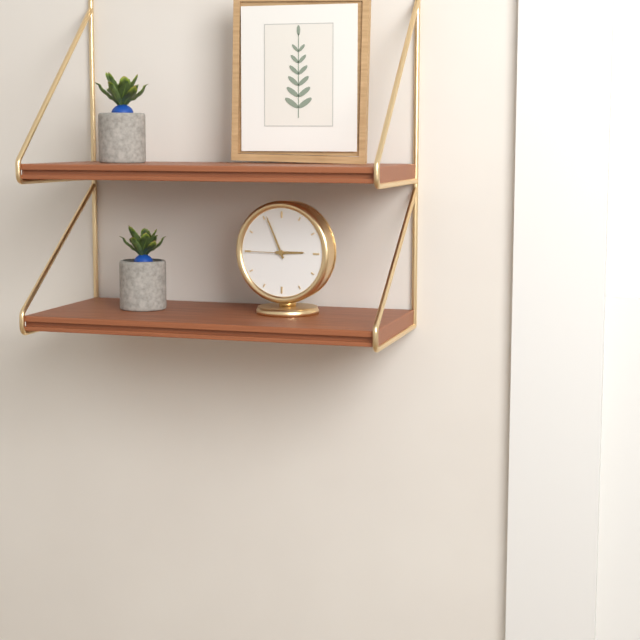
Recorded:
2,56
